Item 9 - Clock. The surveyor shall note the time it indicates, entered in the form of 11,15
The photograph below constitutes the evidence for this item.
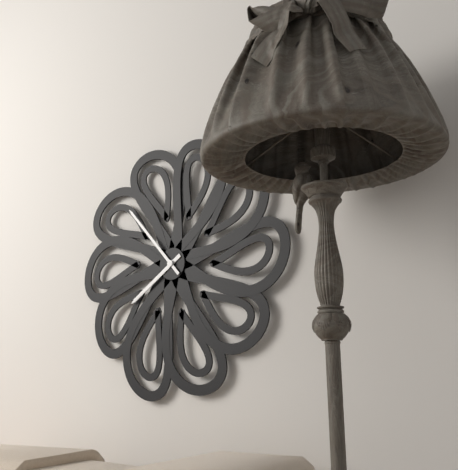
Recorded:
7,53
